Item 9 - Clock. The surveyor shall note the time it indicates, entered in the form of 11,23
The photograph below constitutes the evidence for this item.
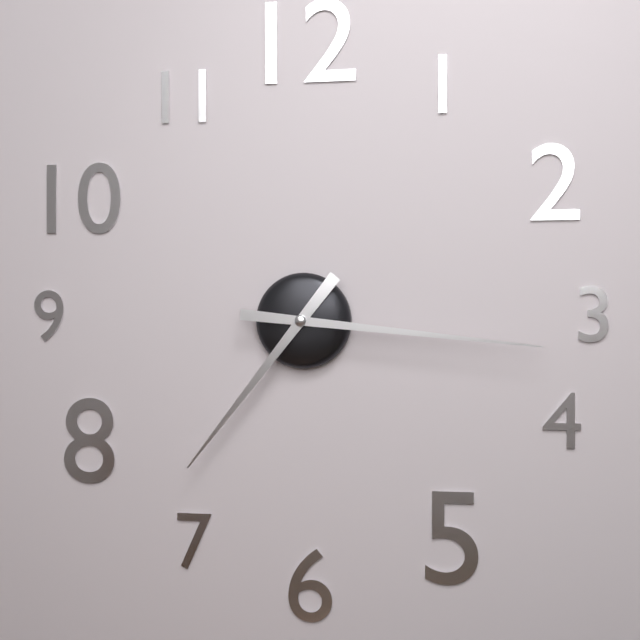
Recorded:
7,16
